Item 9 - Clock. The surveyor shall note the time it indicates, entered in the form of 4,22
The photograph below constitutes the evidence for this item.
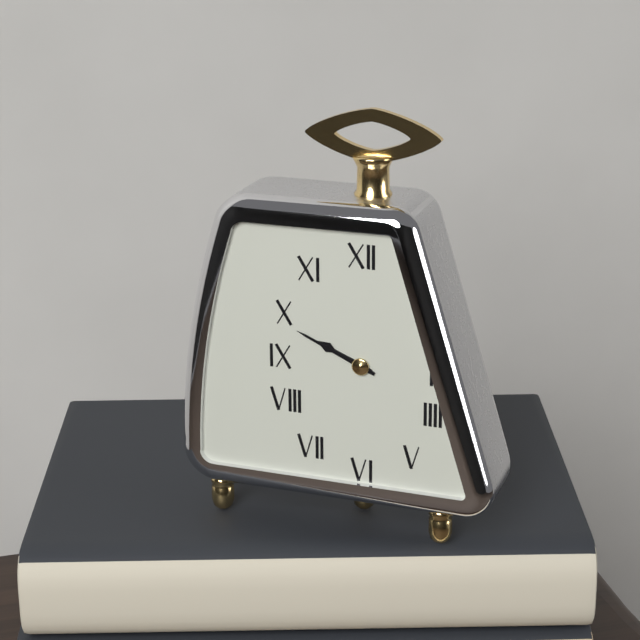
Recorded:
9,49
